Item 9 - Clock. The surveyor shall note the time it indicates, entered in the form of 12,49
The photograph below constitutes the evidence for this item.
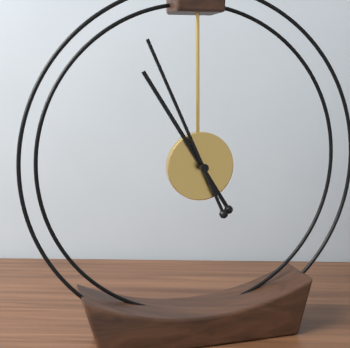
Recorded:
10,56
